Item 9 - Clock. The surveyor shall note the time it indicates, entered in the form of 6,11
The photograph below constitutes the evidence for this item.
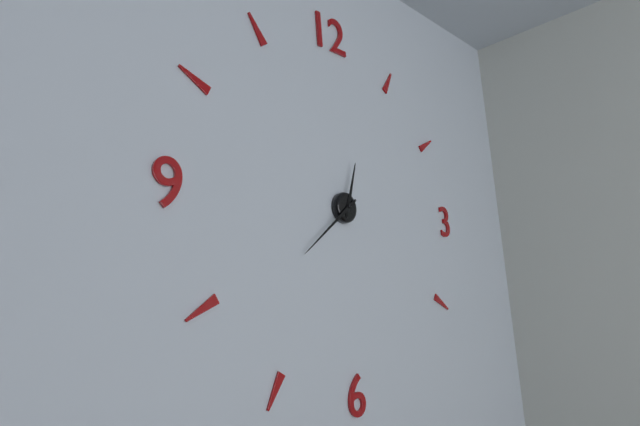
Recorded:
12,39
